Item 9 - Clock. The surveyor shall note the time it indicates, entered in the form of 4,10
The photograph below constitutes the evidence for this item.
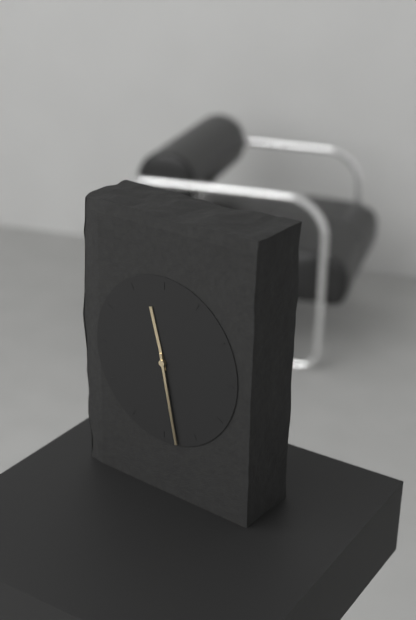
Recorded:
11,28
